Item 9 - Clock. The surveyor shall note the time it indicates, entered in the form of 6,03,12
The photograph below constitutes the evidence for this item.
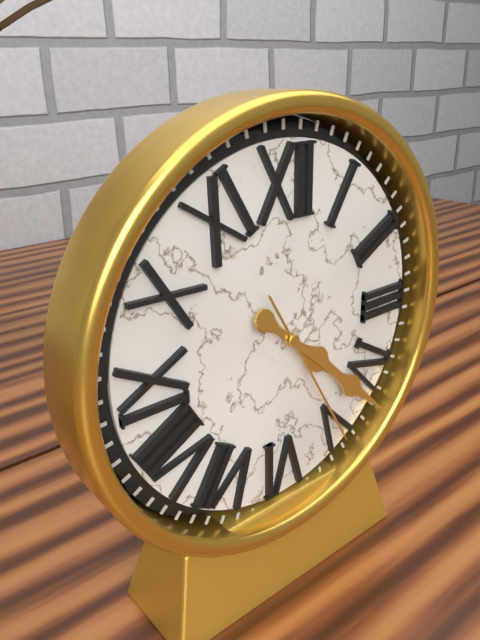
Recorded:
4,22,25
